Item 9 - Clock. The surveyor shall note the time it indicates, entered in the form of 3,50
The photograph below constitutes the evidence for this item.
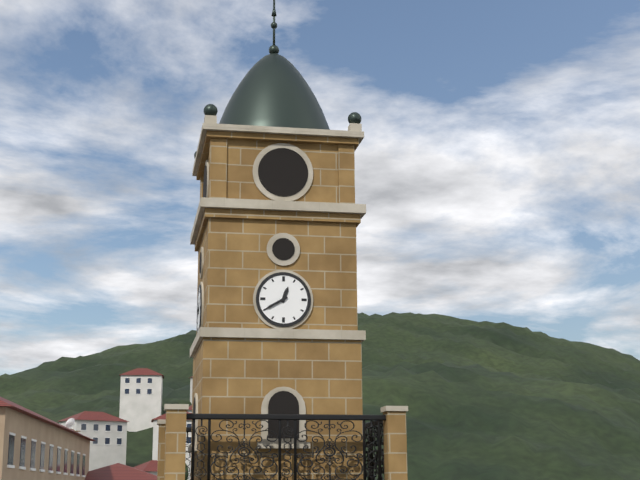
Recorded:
12,40
